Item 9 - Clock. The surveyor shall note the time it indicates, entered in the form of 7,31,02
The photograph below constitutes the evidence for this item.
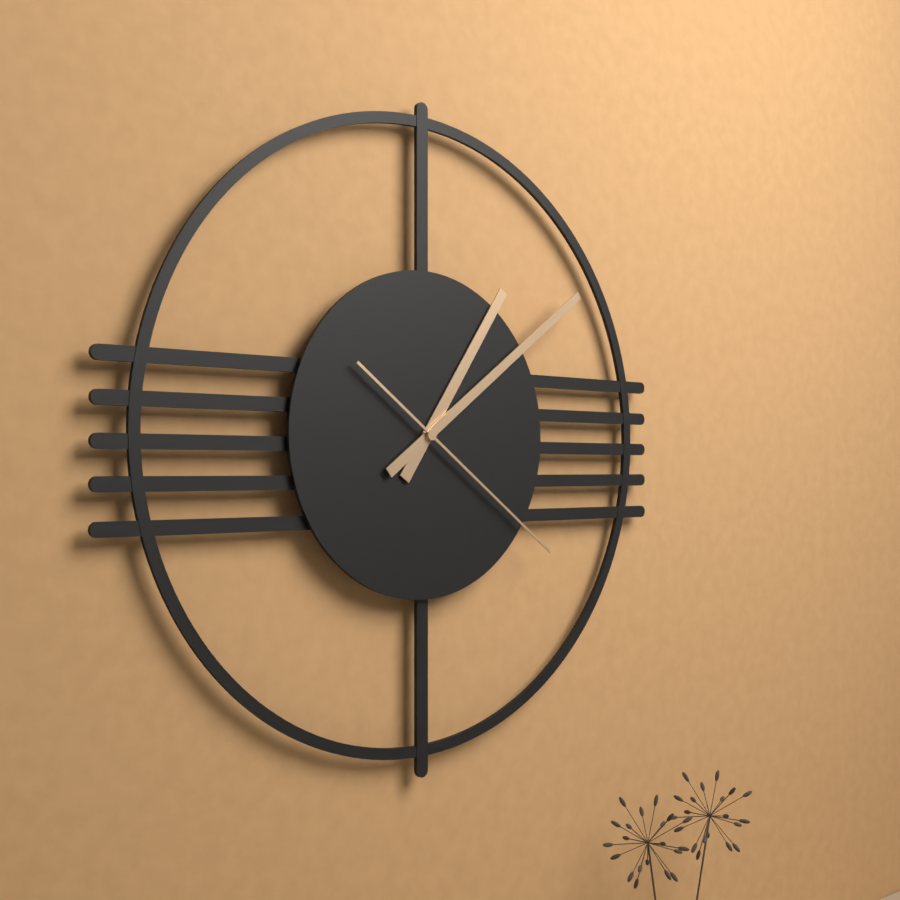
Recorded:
1,09,21
